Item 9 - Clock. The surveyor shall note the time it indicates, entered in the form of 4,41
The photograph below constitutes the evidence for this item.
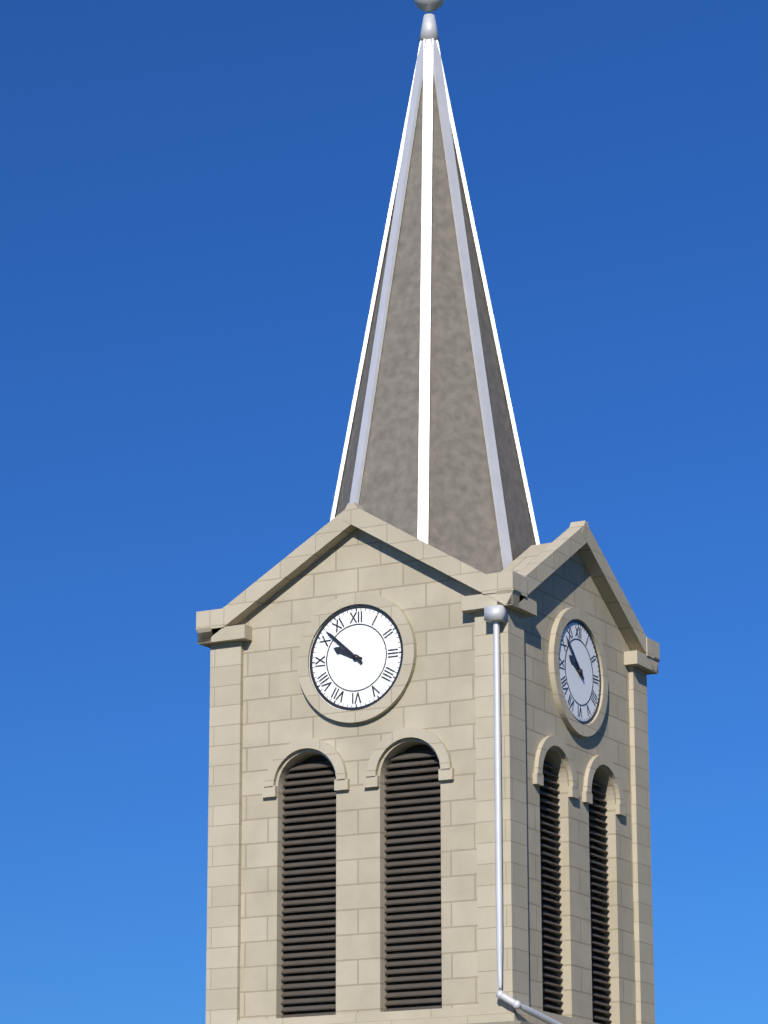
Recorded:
9,52
